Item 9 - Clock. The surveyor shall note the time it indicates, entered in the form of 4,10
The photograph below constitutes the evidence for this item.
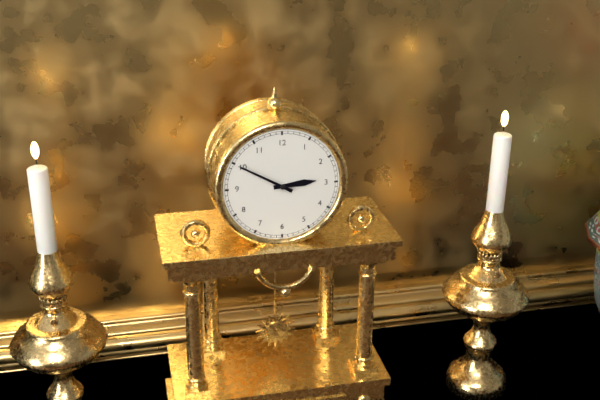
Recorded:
2,50
